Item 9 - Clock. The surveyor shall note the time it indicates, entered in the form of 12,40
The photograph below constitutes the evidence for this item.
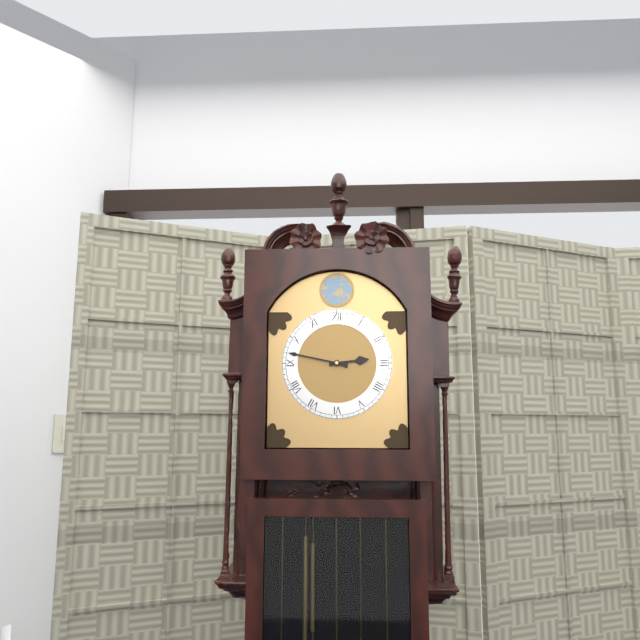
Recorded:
2,47
